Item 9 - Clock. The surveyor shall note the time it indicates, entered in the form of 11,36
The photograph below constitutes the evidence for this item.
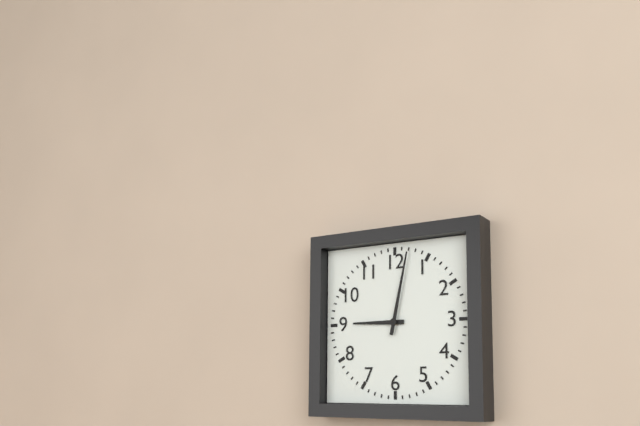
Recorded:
9,02
